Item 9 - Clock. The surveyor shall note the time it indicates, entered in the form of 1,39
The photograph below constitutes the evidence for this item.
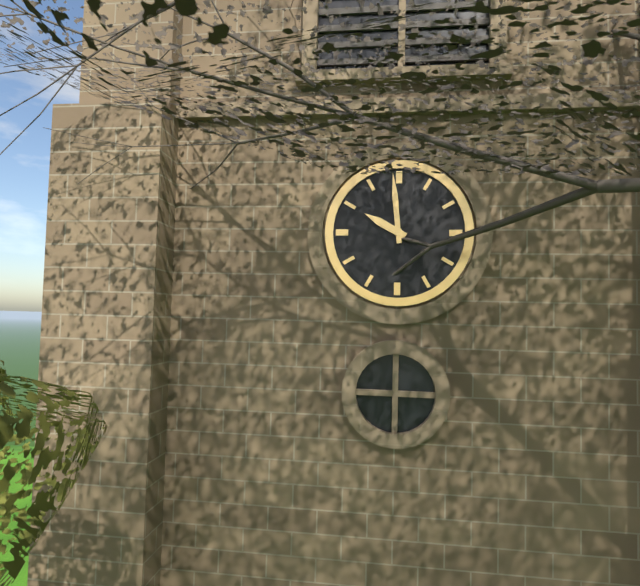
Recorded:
9,59
